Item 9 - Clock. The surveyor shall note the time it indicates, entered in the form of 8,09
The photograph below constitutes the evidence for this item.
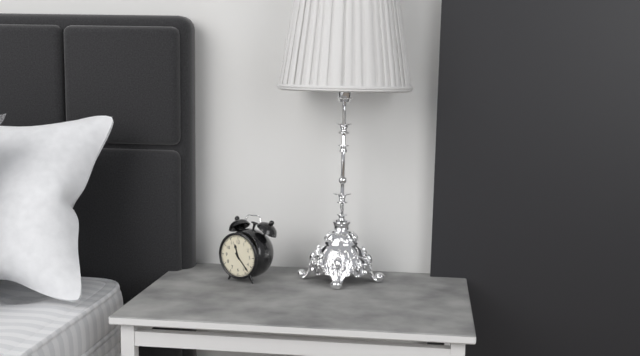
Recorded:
11,23
